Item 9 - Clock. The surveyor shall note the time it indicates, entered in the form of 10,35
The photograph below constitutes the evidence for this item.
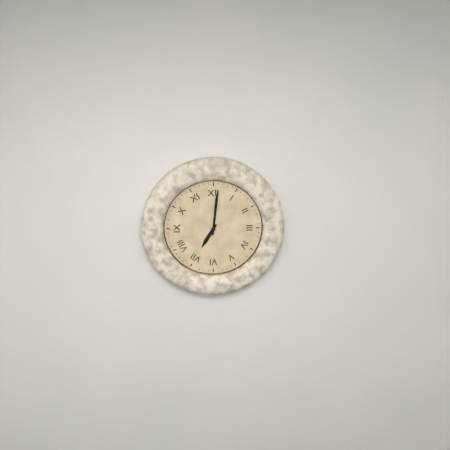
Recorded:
7,01
